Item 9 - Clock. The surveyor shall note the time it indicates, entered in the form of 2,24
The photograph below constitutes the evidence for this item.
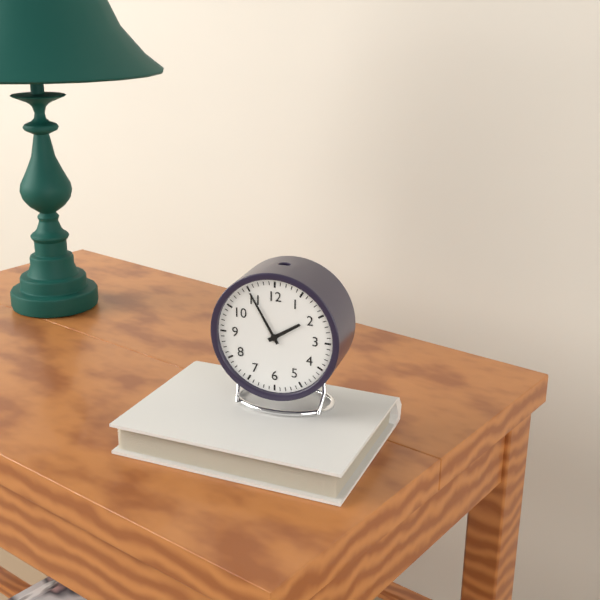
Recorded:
1,55
